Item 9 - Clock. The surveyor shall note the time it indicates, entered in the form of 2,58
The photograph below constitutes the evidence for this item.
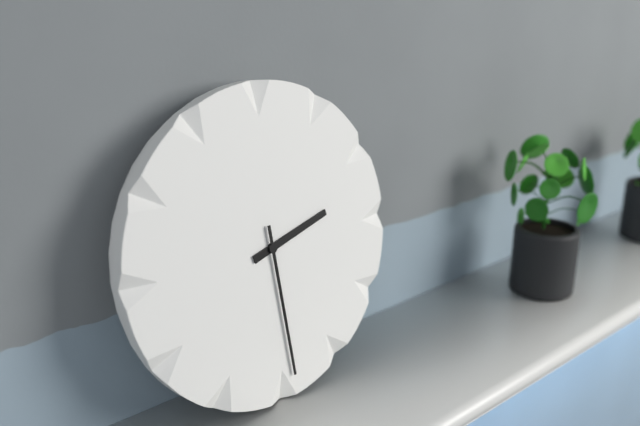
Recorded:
2,29
